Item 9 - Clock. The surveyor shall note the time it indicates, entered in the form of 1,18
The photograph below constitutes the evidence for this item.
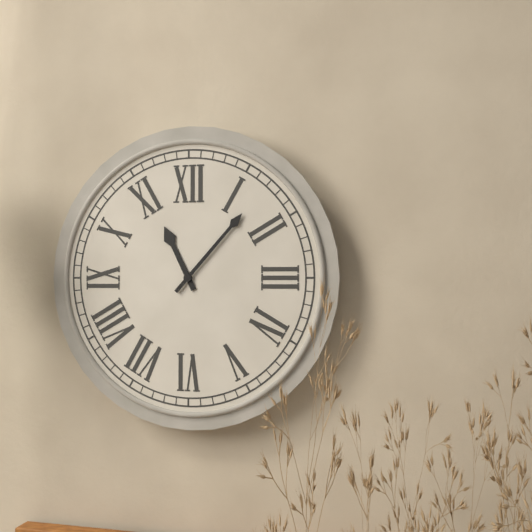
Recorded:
11,07
